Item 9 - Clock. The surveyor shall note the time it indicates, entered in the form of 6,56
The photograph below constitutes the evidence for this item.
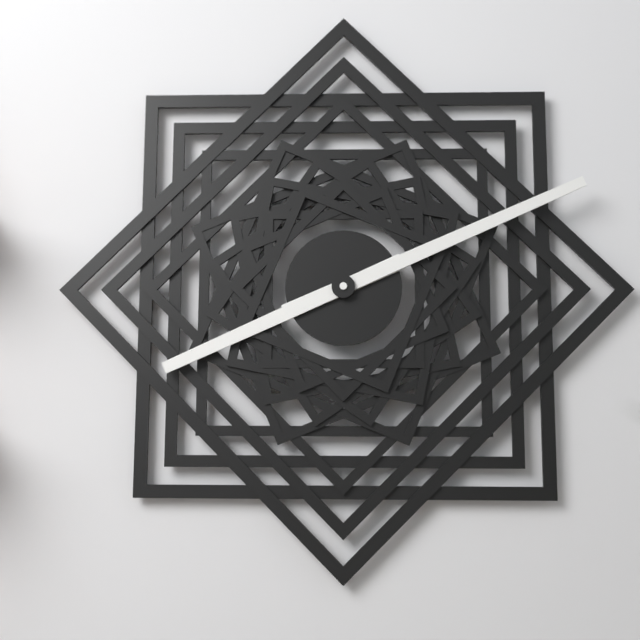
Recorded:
8,11
